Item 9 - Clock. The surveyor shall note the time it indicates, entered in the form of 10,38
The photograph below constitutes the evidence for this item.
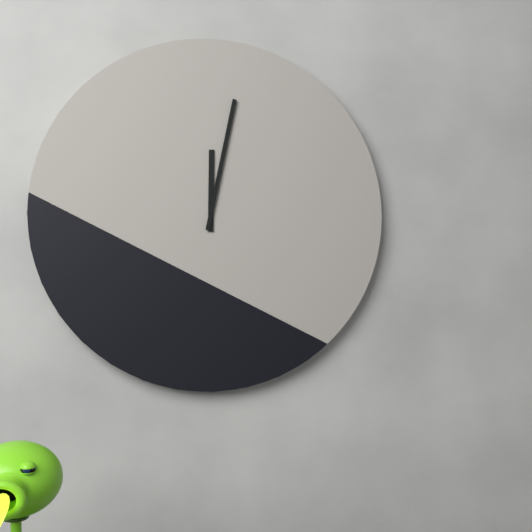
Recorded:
12,02
